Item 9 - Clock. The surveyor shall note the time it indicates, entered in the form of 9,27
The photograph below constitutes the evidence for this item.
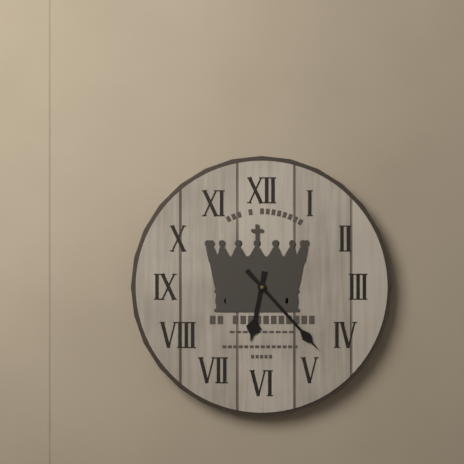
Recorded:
6,23
